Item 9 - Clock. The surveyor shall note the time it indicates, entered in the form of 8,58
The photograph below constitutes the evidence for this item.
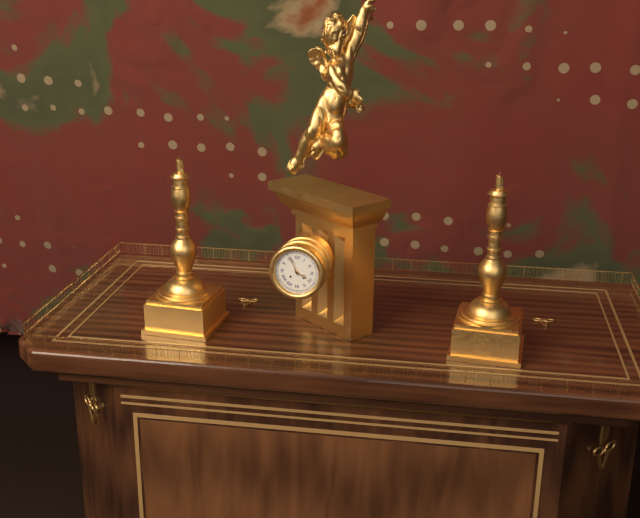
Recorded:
3,56
